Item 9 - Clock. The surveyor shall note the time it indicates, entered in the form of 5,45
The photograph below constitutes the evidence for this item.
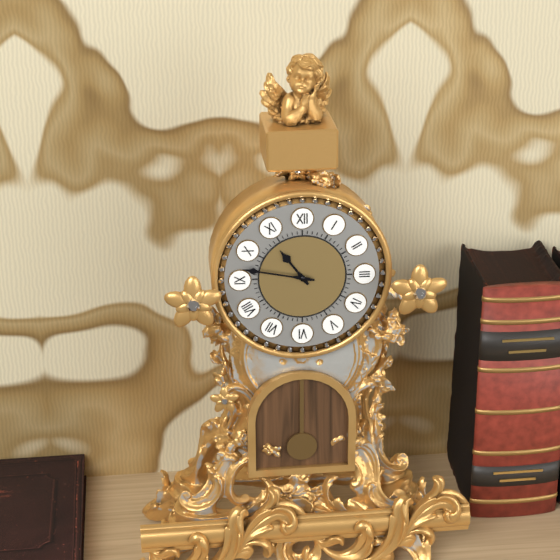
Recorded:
10,47
